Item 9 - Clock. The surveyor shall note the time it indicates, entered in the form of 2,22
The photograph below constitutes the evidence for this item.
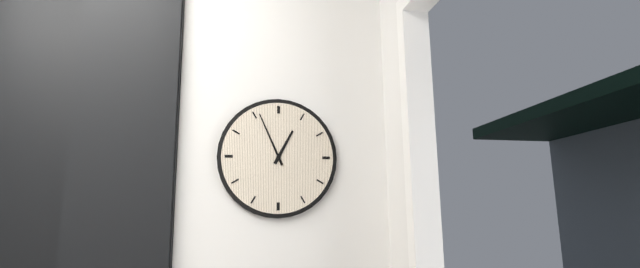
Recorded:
12,56
